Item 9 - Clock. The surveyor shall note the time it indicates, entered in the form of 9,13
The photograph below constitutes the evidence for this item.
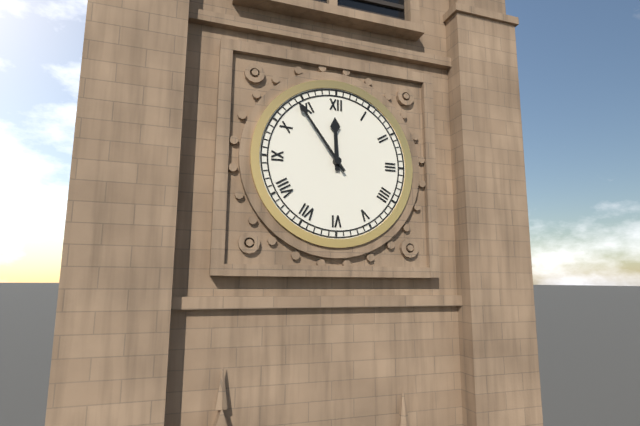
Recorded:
11,54
